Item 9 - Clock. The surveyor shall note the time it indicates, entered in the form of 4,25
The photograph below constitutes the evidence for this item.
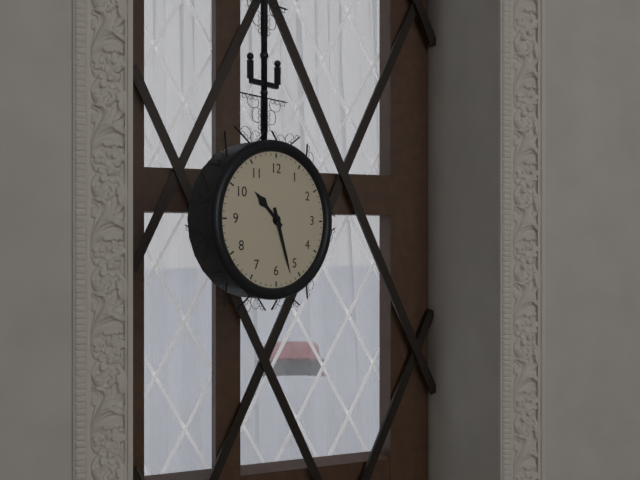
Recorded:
10,27
